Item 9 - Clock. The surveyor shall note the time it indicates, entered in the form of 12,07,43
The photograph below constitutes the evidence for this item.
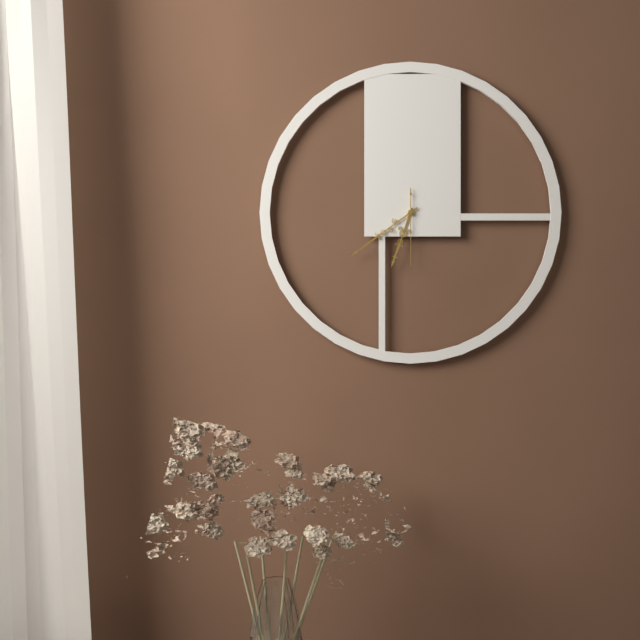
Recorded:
6,39,30
